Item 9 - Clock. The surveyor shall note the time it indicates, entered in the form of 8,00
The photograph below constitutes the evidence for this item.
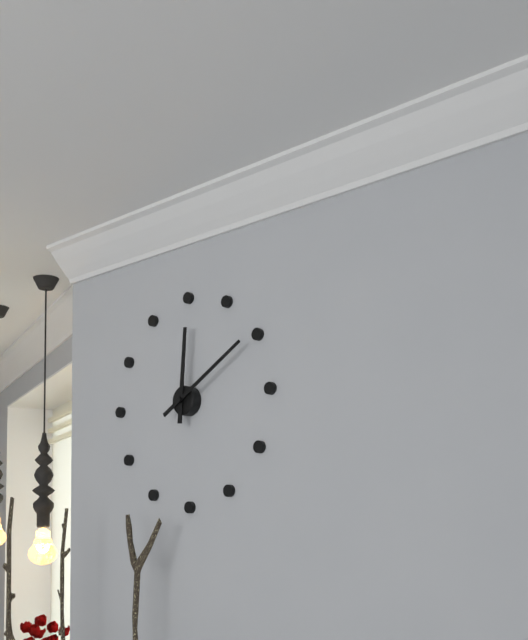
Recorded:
12,10
